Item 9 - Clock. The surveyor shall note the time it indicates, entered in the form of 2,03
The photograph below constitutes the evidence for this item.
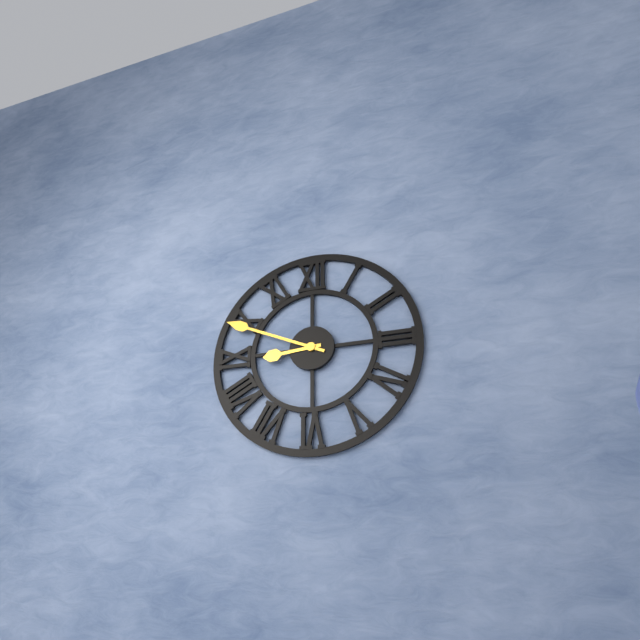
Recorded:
8,49
